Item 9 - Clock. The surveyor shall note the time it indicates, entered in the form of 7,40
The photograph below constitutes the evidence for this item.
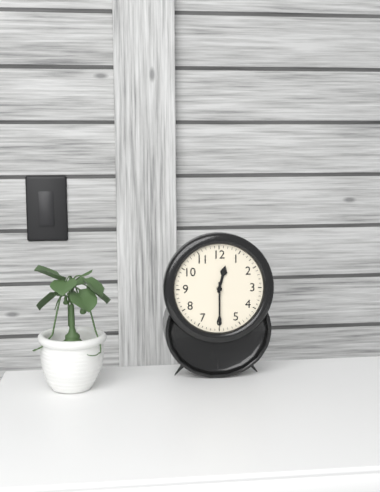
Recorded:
12,30
